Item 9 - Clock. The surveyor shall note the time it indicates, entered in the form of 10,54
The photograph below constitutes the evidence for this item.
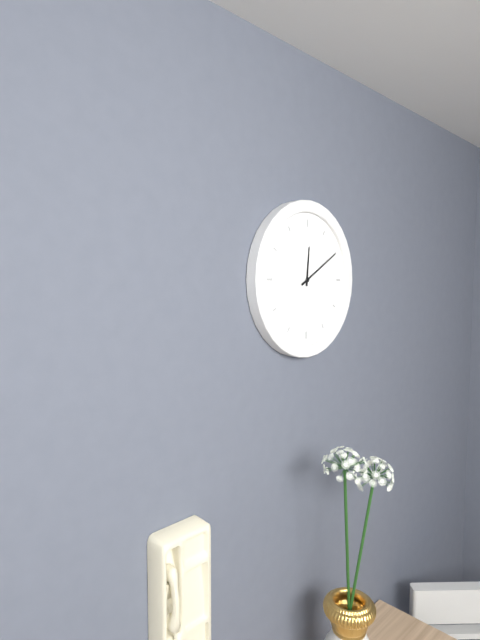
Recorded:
12,10
